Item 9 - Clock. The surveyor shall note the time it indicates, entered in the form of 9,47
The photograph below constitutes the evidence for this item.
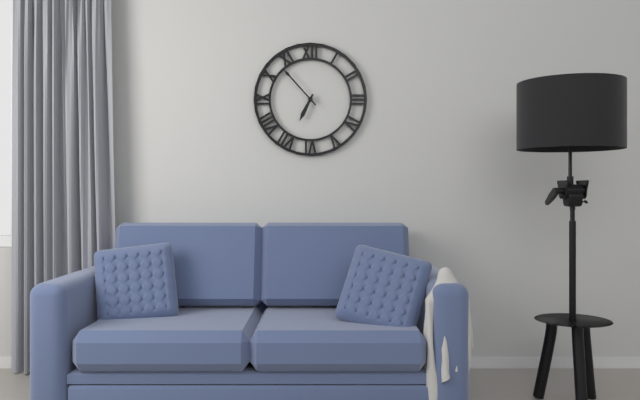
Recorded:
6,53
